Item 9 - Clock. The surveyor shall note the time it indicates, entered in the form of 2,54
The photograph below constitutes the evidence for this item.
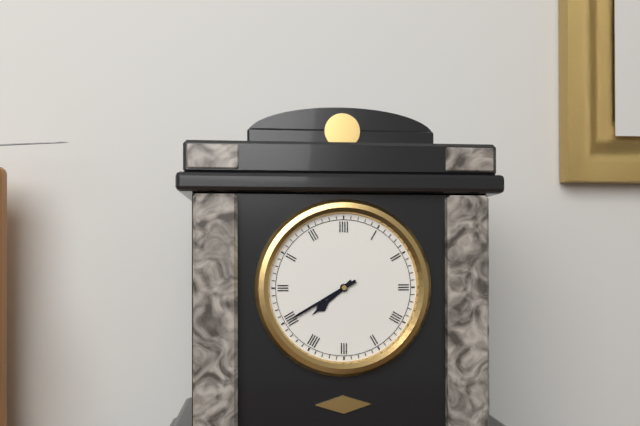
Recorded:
7,40
